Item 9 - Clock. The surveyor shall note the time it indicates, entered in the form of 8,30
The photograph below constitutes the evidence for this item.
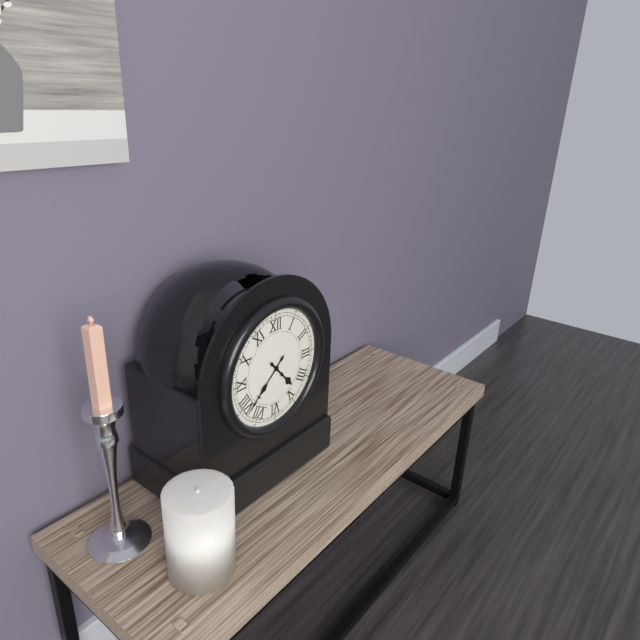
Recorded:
4,38
